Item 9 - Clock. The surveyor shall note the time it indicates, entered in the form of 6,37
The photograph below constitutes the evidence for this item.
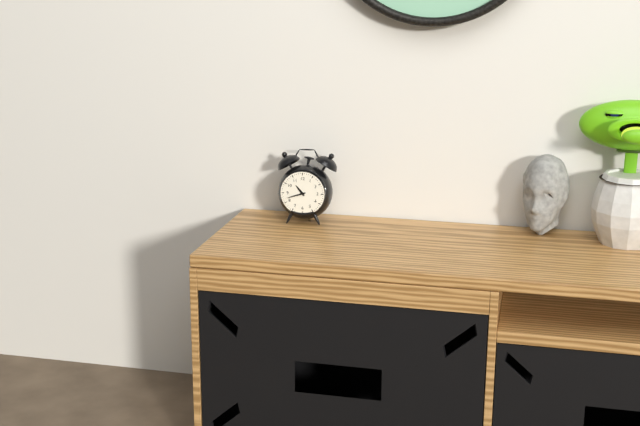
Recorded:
10,42
